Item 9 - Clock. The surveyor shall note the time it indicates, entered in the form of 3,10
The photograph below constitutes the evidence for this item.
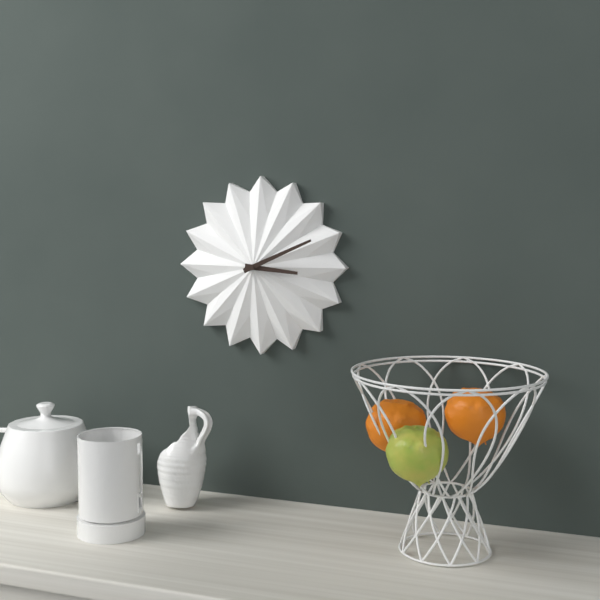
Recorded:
3,11
